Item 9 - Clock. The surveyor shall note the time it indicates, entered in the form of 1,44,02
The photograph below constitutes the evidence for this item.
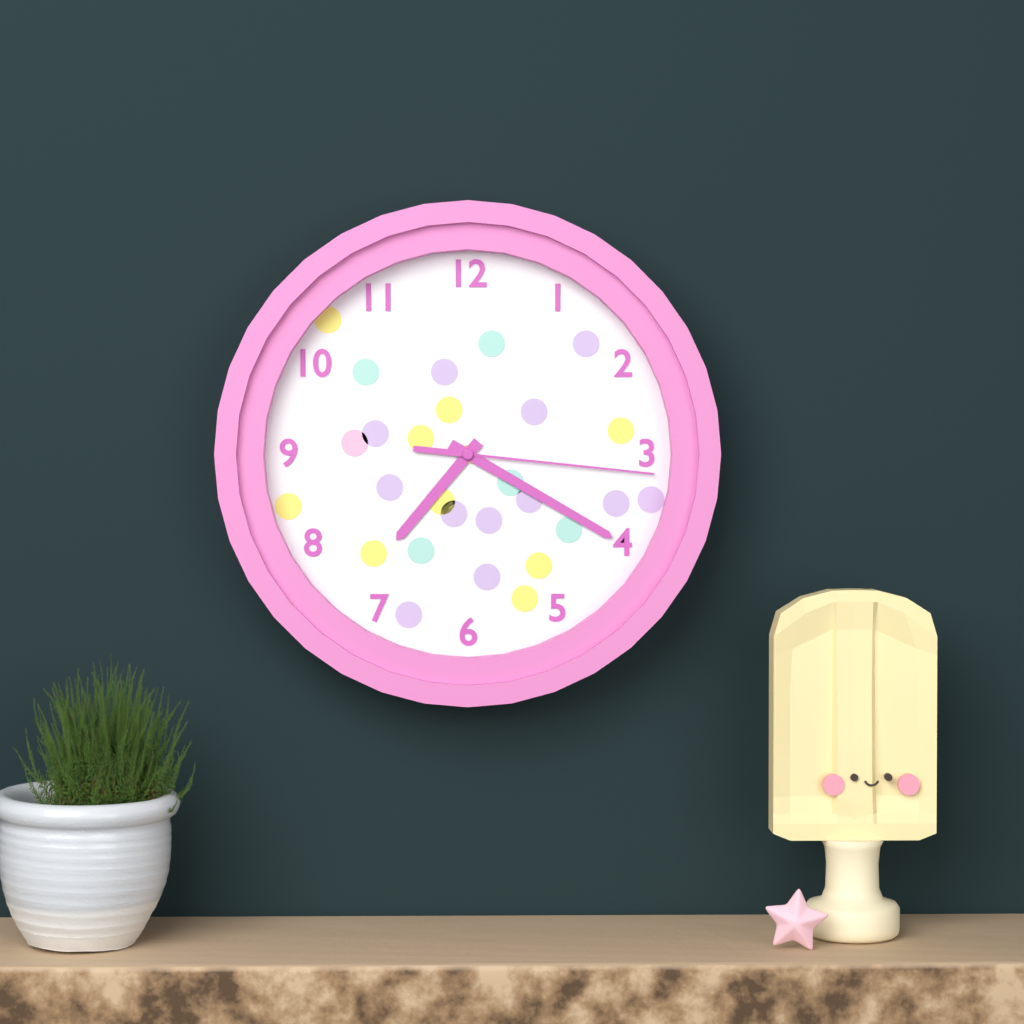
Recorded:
7,20,16
